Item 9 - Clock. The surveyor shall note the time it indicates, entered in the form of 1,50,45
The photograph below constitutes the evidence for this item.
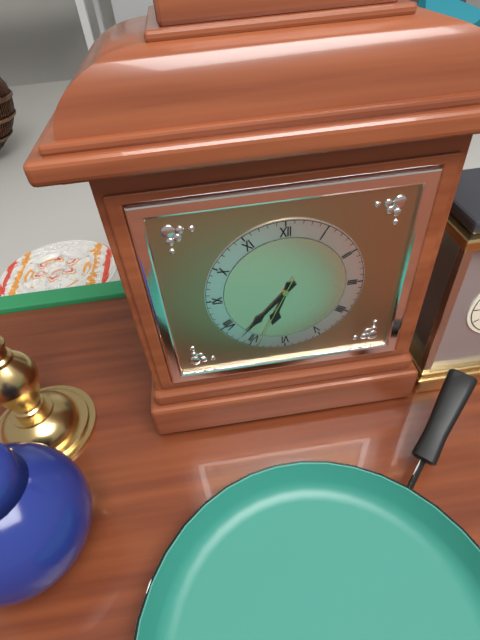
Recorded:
6,37,34
